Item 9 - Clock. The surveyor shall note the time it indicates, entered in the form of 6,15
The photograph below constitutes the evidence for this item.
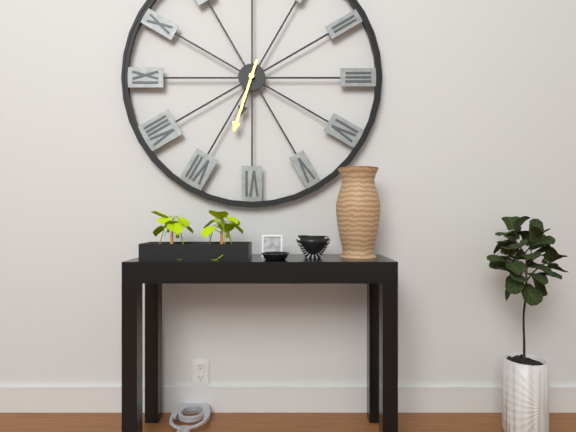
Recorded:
6,33
